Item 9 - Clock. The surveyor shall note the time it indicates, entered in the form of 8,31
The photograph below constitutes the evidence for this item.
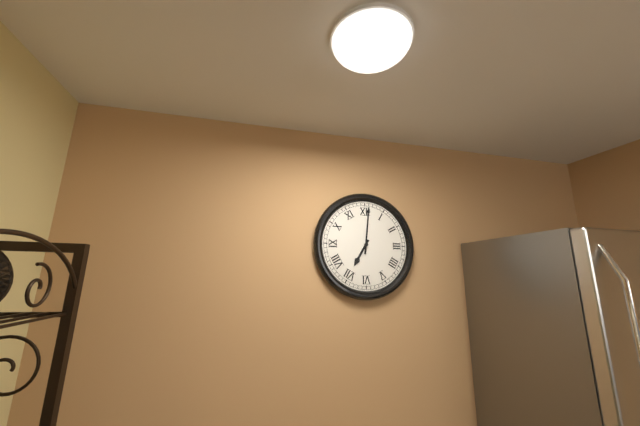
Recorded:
7,01
